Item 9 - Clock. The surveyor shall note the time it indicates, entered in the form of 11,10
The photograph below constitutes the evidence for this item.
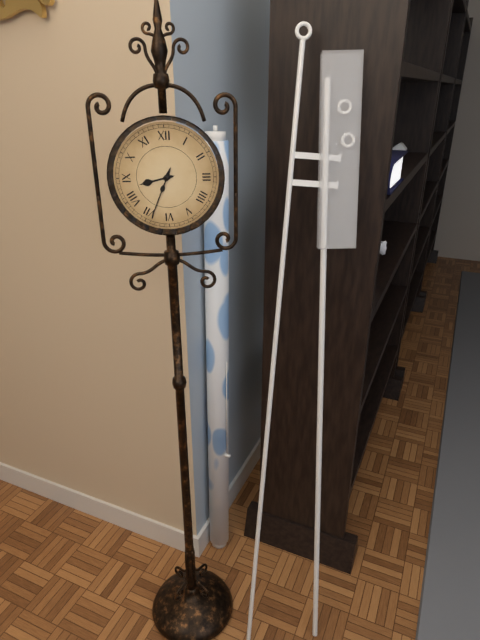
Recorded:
8,34
